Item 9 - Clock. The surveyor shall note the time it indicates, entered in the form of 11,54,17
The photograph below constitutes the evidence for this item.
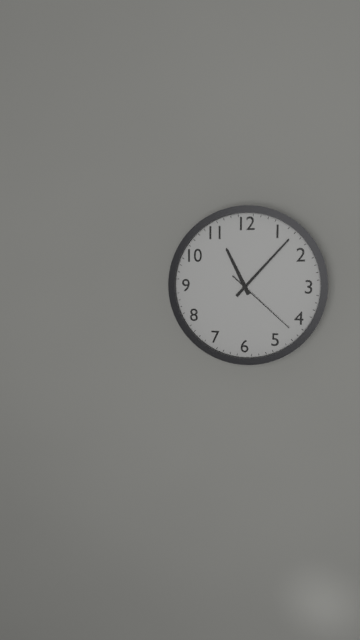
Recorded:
11,07,22
